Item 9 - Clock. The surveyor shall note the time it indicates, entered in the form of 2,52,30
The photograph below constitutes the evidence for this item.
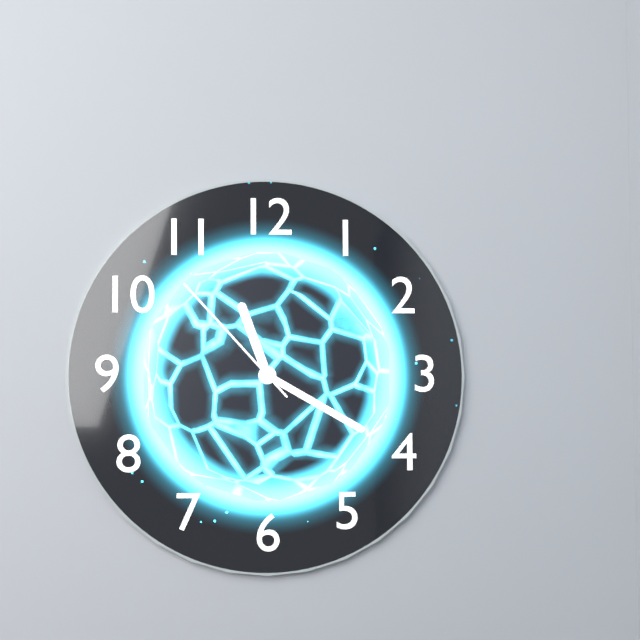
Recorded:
11,20,53
